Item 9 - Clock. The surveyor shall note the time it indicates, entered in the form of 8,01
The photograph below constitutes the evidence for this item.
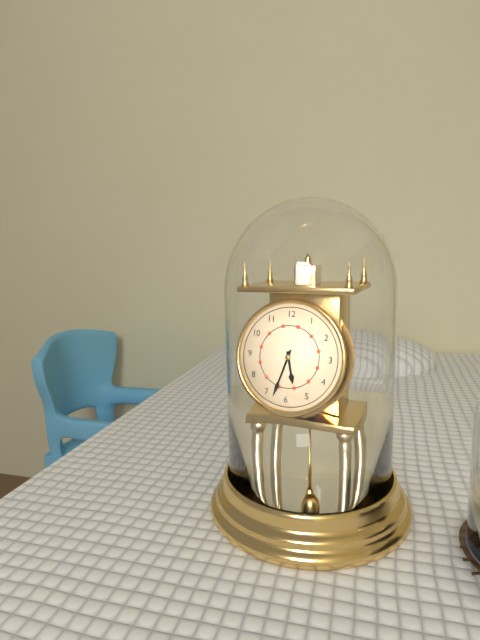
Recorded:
5,33
